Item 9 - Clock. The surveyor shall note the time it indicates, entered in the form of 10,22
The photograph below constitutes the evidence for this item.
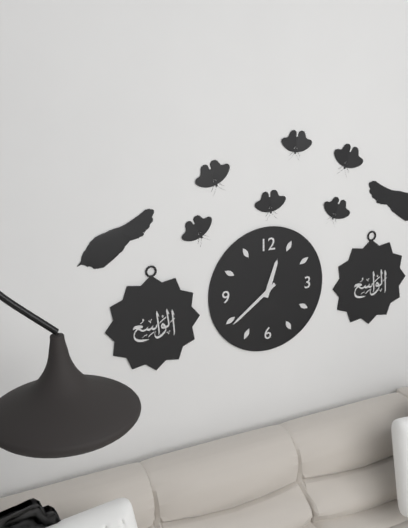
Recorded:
12,39
